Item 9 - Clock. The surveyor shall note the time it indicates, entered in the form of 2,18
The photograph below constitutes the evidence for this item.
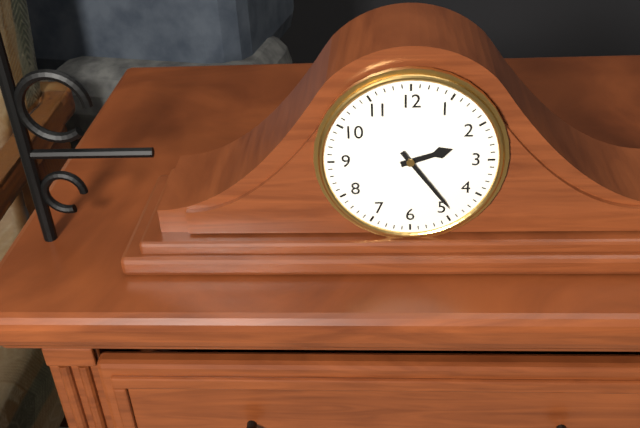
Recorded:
2,24
